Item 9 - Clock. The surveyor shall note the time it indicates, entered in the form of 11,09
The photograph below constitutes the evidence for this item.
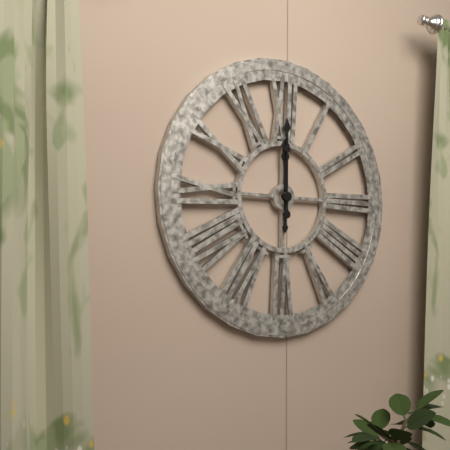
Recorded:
12,00
